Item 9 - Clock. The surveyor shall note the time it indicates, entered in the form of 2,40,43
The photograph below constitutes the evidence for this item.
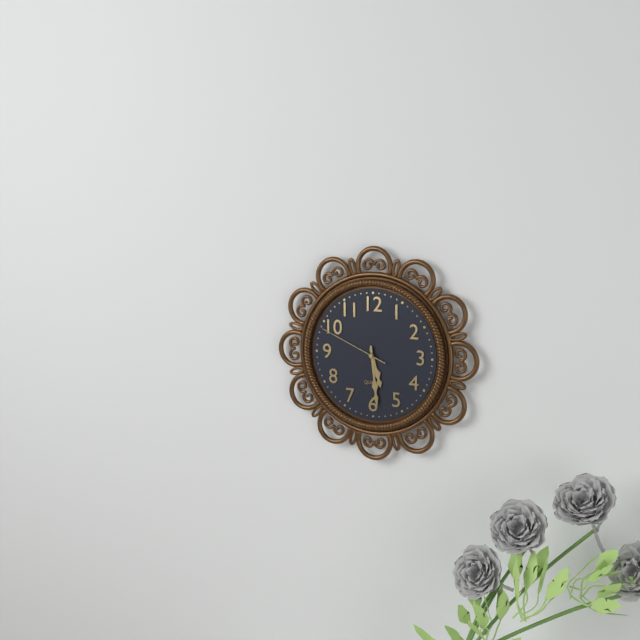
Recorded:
5,29,49
